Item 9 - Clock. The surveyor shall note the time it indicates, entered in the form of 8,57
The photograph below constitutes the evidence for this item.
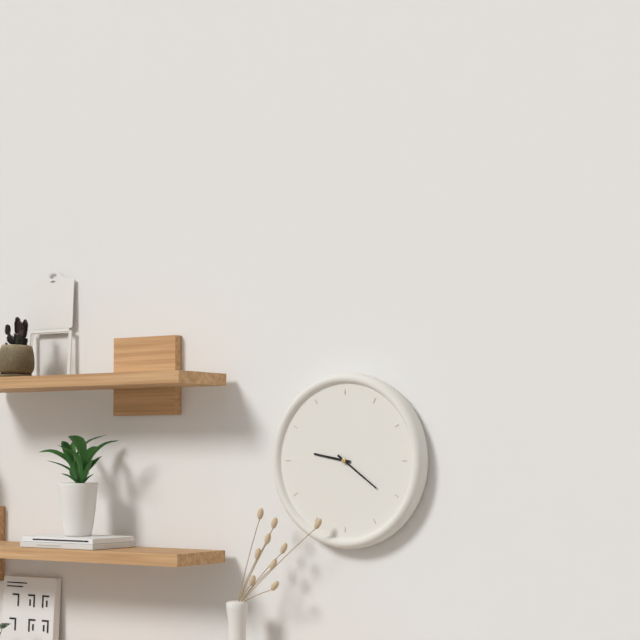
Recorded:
9,21
